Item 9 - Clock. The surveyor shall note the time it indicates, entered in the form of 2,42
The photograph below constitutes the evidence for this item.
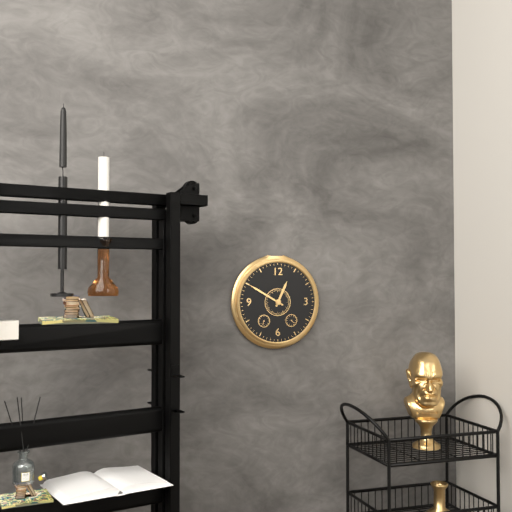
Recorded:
12,50
